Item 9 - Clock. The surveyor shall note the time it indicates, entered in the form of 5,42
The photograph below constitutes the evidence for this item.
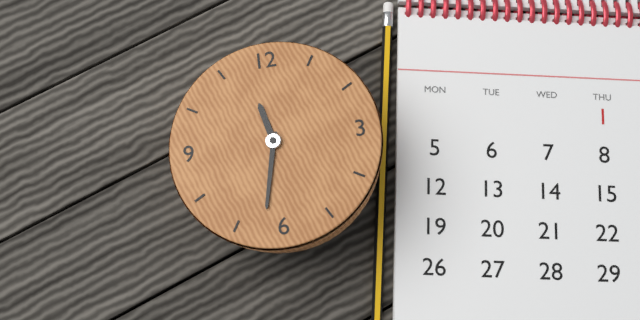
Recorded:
11,32
